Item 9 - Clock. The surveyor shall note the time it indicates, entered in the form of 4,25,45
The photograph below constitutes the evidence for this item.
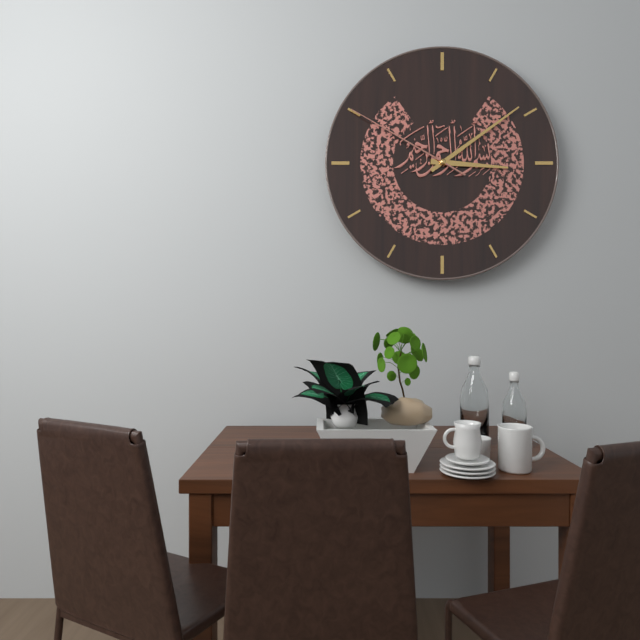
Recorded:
3,09,50
